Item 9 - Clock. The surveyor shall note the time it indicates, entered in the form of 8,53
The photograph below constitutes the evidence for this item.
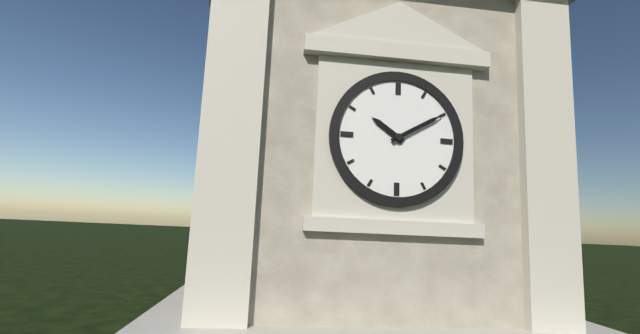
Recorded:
10,10
